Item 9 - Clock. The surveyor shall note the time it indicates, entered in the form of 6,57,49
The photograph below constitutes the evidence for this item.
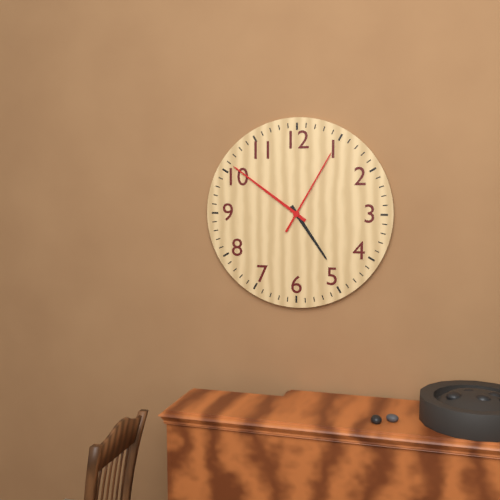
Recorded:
4,51,05
